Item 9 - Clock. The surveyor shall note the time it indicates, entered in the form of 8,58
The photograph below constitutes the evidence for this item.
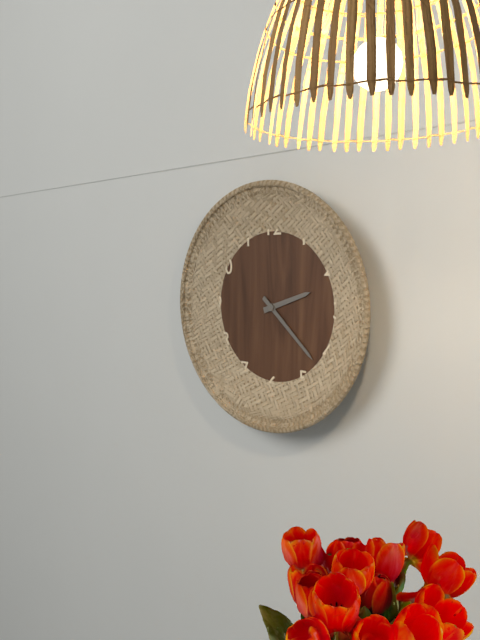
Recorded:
2,22
